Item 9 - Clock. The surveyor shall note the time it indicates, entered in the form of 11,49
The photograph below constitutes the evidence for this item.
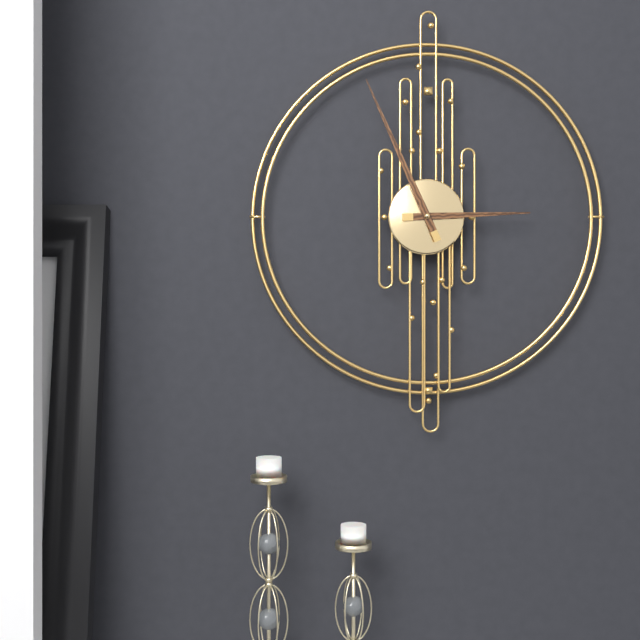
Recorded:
2,56
